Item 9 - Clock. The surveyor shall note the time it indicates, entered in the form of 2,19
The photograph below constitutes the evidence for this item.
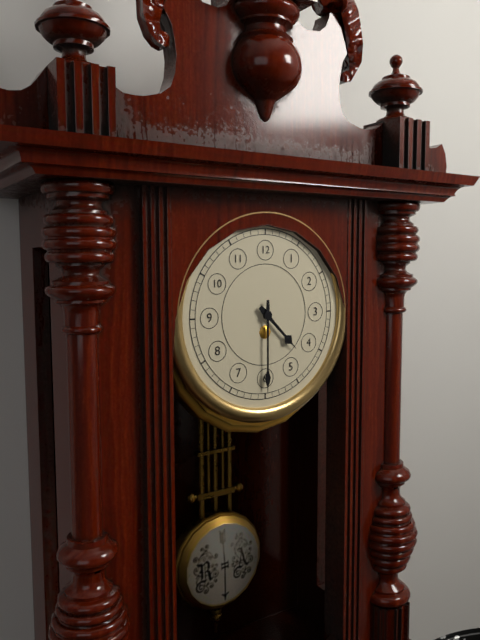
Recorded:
4,30
